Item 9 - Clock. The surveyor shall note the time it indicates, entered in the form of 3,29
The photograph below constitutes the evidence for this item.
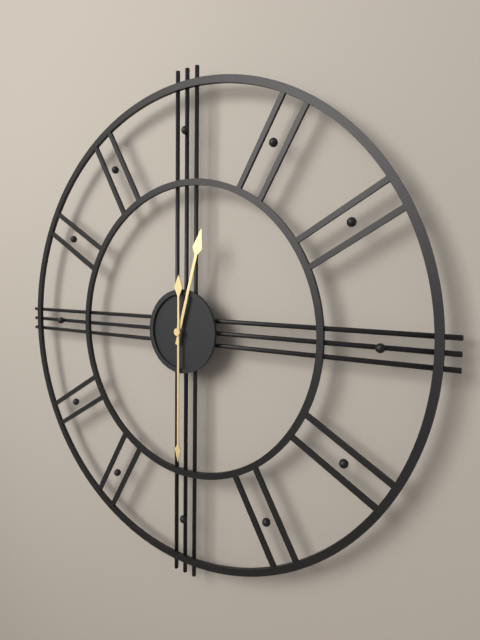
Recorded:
12,30
